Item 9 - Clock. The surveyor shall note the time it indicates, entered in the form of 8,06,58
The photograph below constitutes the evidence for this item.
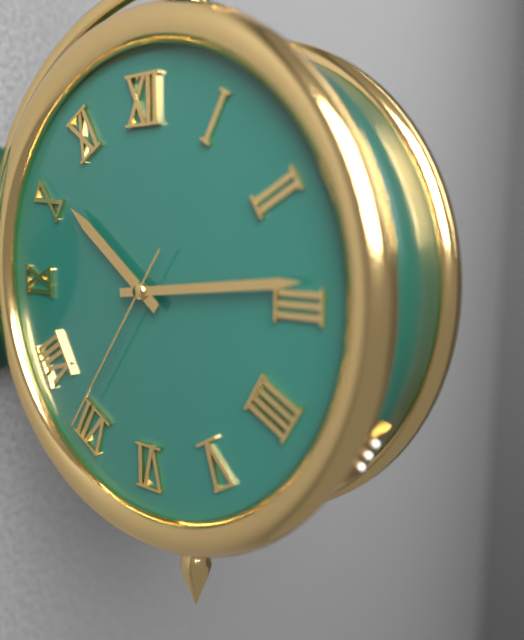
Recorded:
10,14,36
